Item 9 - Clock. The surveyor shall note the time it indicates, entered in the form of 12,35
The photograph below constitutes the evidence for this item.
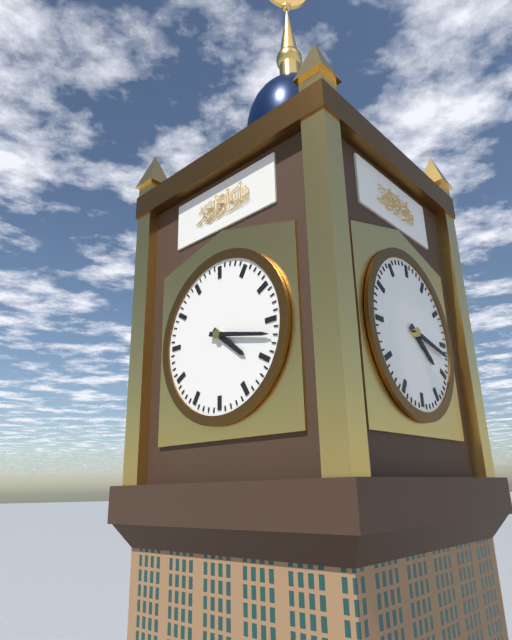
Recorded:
4,17
